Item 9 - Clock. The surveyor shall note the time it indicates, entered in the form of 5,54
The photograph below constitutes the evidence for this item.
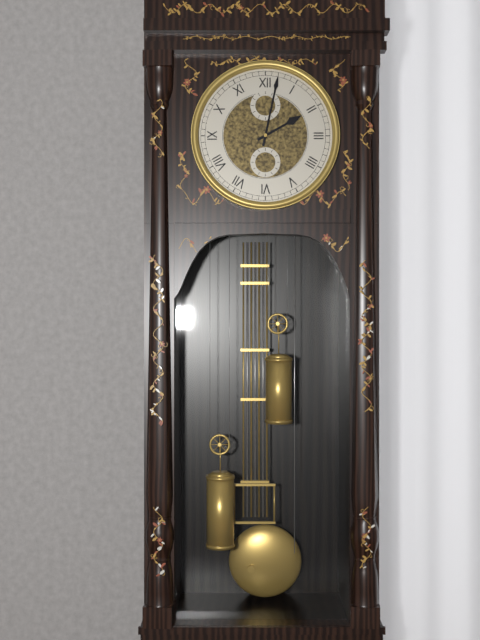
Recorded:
2,02
